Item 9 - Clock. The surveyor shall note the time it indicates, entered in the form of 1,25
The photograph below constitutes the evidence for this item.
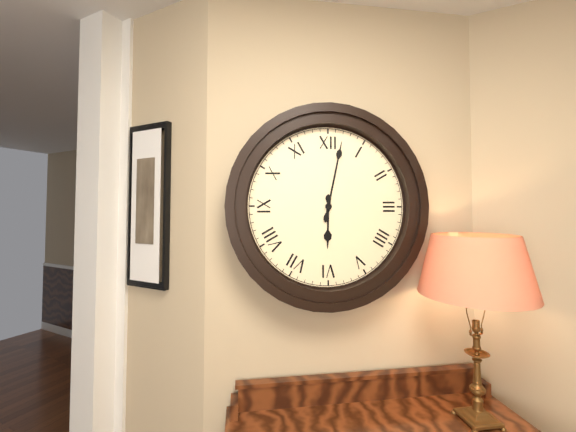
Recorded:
6,02
